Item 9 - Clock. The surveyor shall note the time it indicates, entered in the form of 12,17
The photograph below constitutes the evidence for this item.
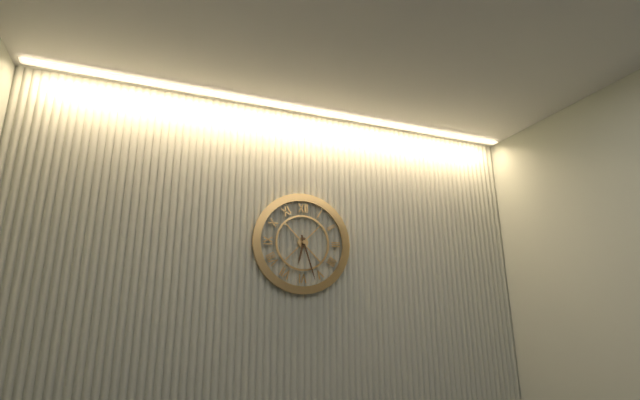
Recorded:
6,27
